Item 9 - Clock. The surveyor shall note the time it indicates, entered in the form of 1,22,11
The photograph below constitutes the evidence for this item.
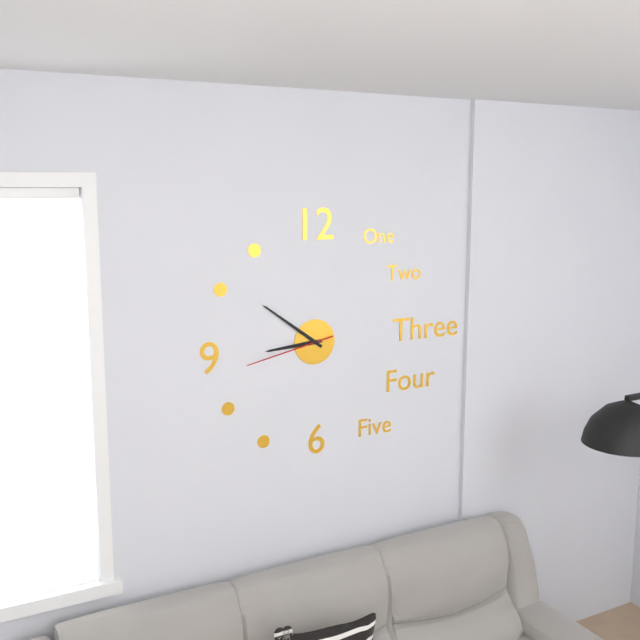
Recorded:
8,51,43
